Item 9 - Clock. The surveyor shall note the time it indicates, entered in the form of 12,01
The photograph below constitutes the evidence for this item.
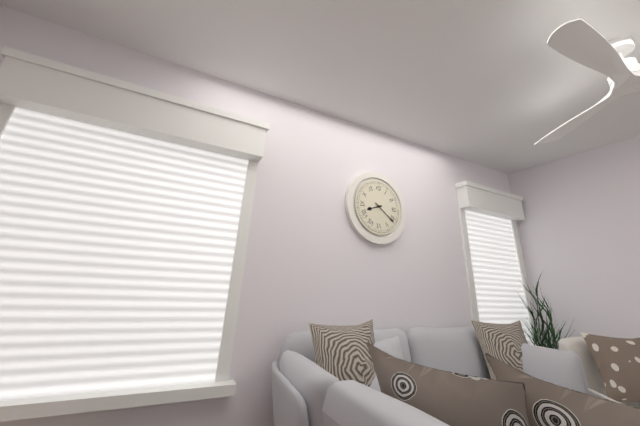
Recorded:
8,21
